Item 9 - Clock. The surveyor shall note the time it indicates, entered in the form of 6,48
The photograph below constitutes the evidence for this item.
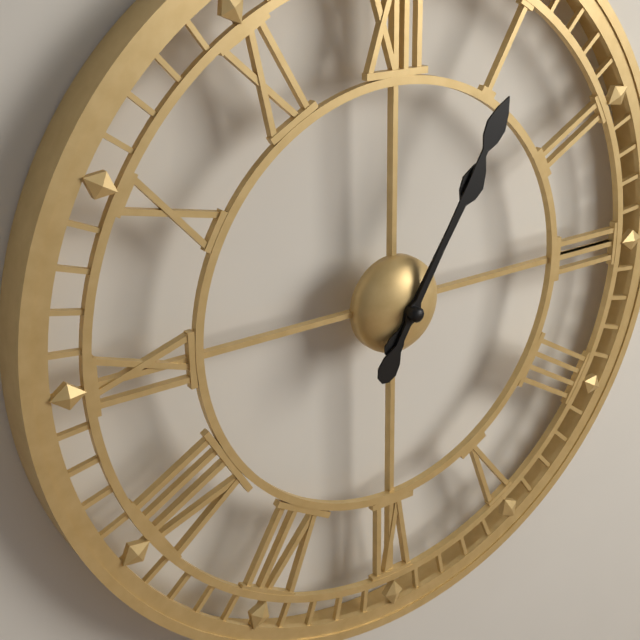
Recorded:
1,05
